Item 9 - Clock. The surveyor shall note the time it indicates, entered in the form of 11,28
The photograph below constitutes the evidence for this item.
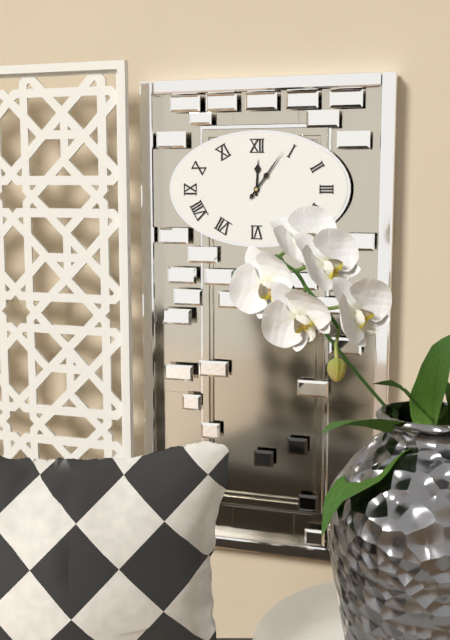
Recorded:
12,06
